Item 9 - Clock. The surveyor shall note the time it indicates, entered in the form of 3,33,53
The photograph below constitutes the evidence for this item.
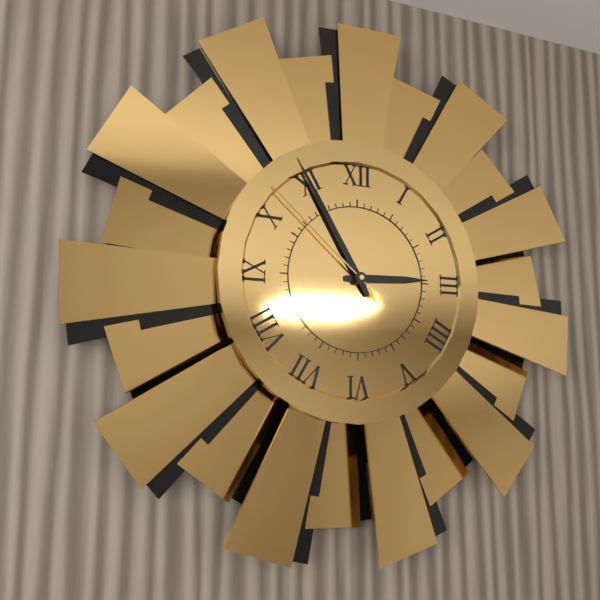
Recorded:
2,55,52
